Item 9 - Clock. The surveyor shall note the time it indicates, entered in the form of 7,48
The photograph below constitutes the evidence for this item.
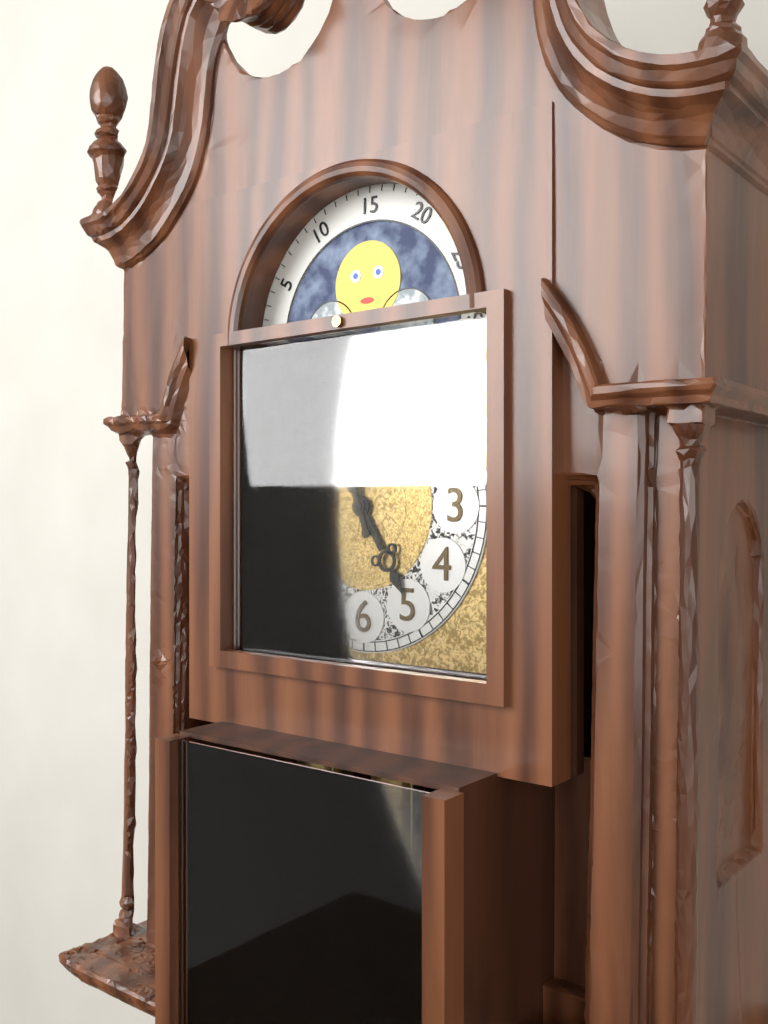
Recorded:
4,57
